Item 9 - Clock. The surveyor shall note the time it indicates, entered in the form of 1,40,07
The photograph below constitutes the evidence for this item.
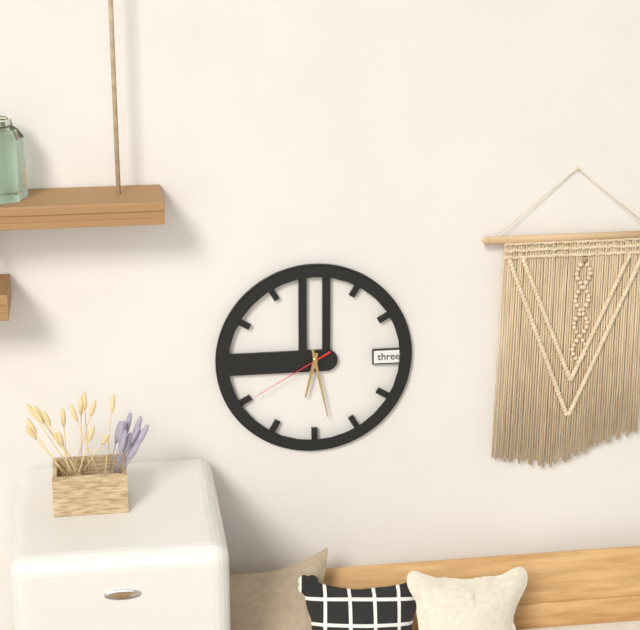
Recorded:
6,28,40
